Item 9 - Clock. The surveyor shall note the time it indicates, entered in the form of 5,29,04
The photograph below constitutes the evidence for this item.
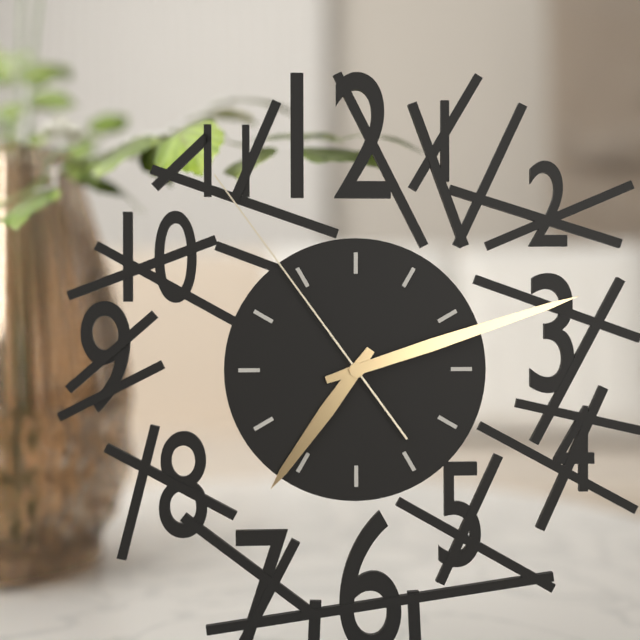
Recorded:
7,12,54
